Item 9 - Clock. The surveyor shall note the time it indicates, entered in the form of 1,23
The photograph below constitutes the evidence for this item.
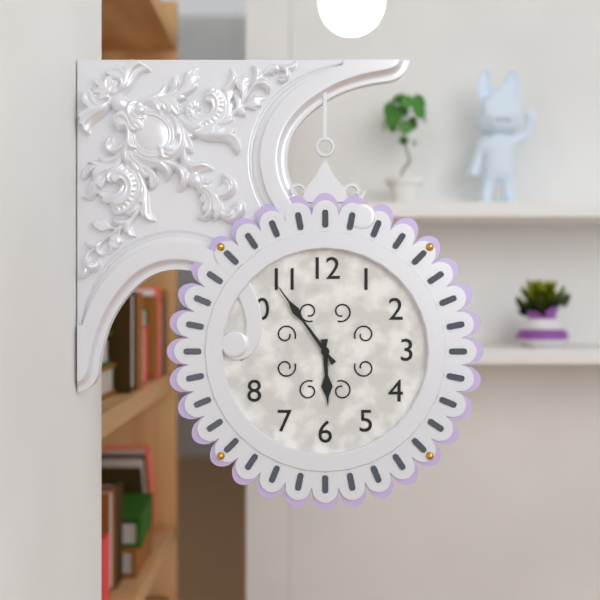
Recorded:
5,54
